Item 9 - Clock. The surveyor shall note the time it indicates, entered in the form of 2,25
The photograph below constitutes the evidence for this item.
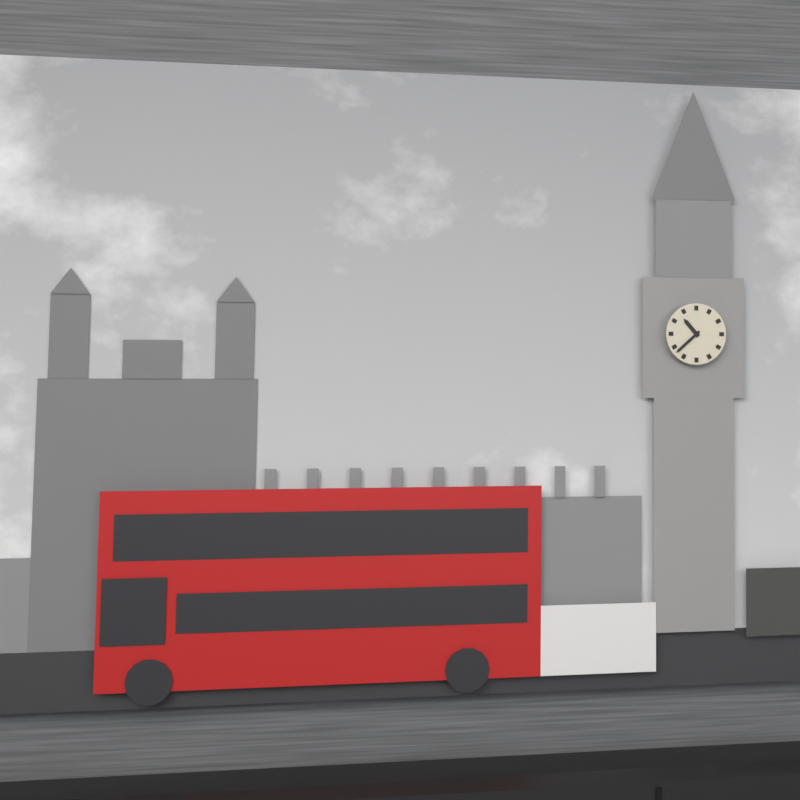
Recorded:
10,38
